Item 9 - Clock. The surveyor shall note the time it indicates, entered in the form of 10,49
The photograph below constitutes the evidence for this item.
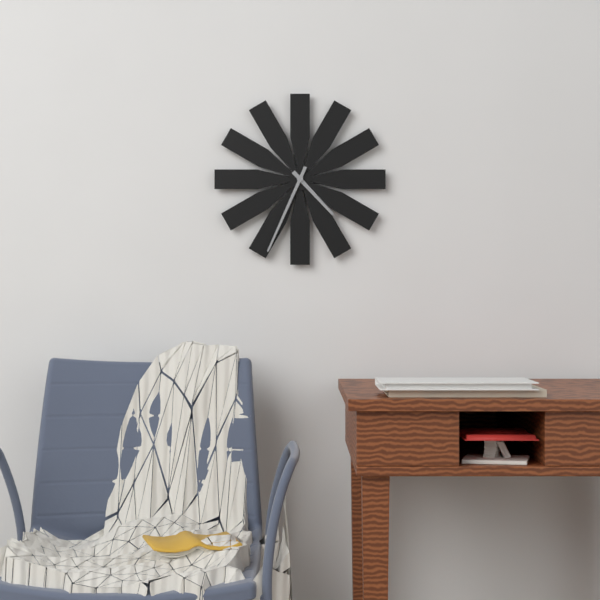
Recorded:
4,34
